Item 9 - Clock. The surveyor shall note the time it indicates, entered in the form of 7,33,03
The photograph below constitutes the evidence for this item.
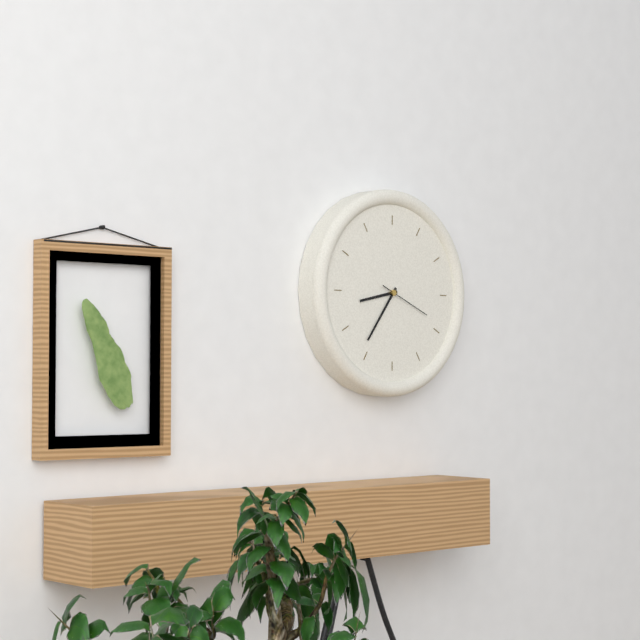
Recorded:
8,36,19
